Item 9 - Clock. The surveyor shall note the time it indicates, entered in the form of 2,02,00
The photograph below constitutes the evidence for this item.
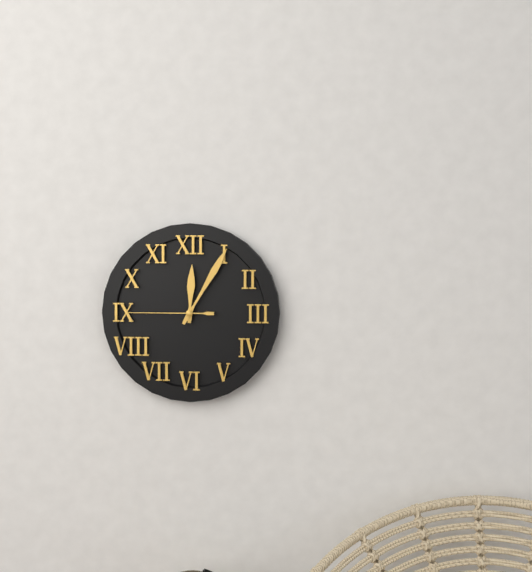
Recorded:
12,05,45
